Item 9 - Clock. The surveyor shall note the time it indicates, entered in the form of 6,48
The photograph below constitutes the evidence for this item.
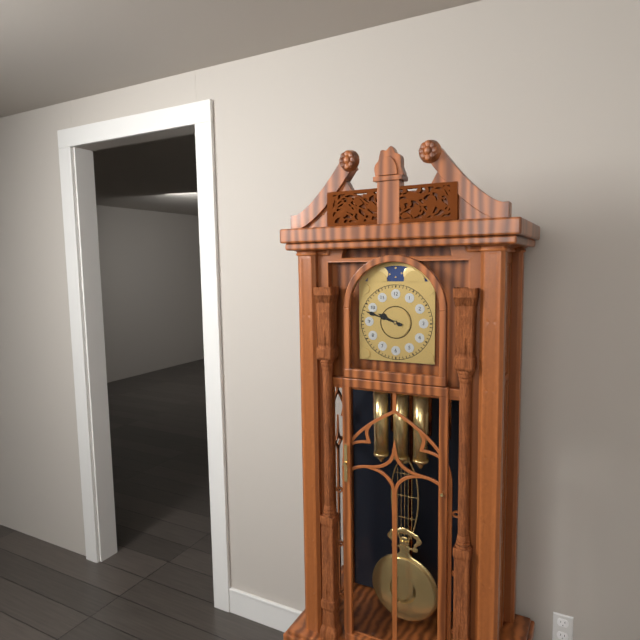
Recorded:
9,48
